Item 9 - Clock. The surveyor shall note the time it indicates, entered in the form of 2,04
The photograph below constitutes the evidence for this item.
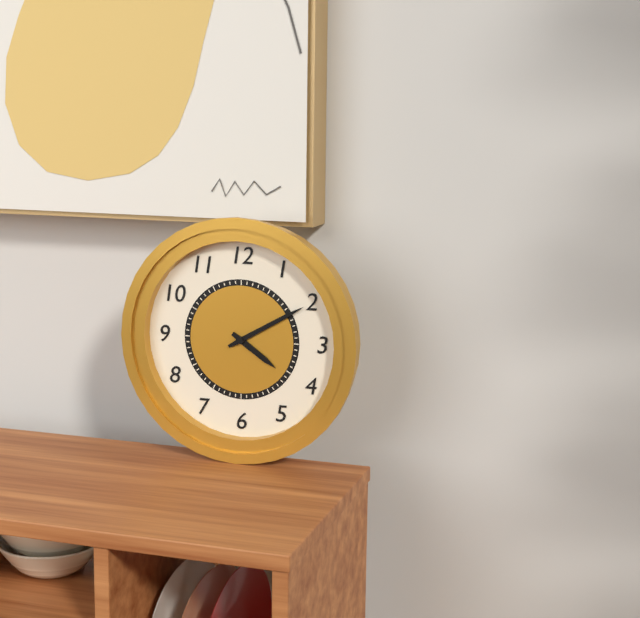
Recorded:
4,10
